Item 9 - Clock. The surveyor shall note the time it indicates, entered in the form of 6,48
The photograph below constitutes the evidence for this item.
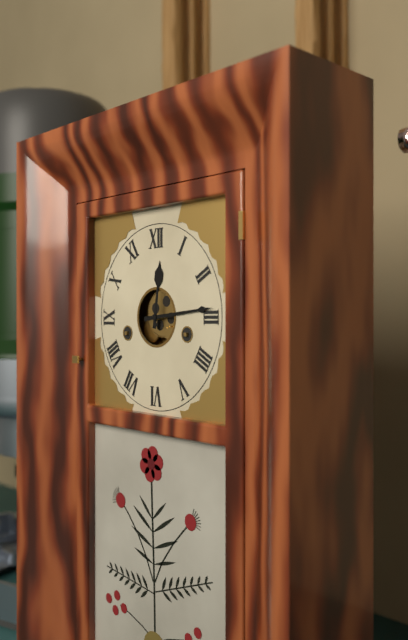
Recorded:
12,14
